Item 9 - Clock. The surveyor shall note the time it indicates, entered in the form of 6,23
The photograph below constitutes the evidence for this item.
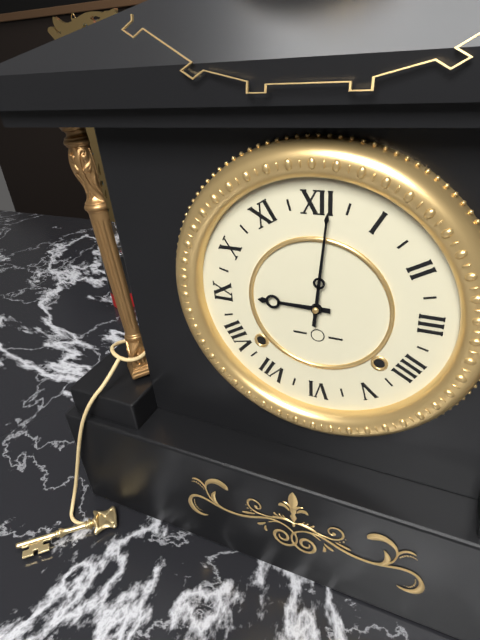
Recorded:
9,01
